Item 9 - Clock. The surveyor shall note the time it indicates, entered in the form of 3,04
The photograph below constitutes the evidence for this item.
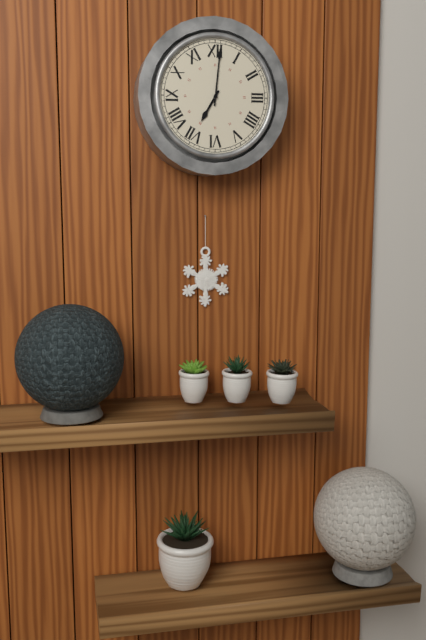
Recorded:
7,01
